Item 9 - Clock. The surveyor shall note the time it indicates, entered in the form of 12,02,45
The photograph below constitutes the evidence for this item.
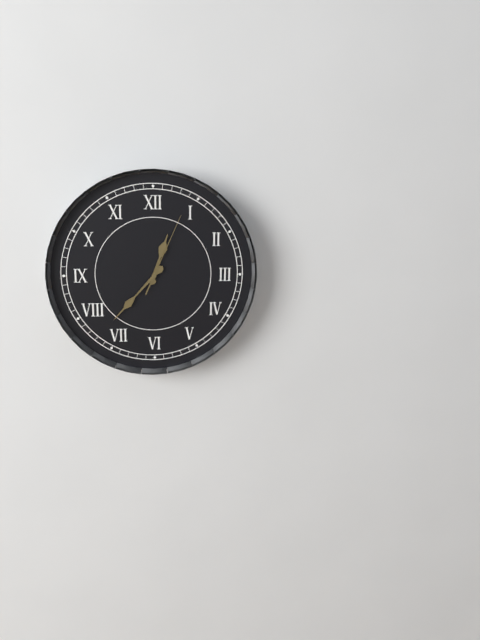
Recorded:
12,37,04
